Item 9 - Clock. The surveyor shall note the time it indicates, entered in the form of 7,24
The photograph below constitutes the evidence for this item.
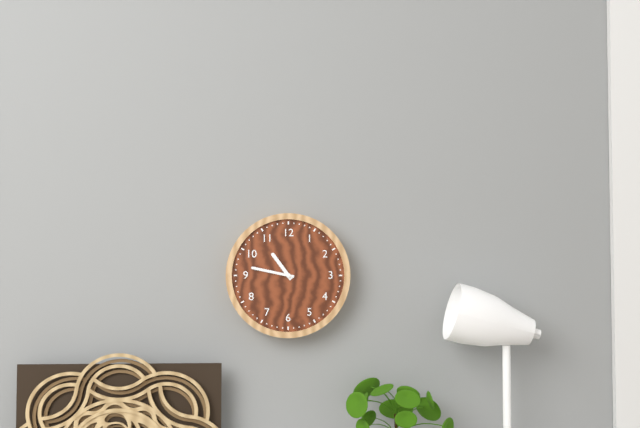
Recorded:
10,47
